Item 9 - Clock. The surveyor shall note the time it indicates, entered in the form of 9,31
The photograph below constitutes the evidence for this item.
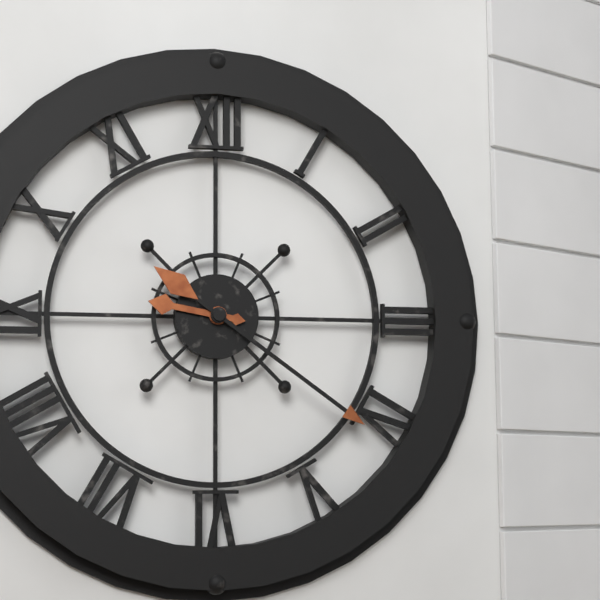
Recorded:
9,21
